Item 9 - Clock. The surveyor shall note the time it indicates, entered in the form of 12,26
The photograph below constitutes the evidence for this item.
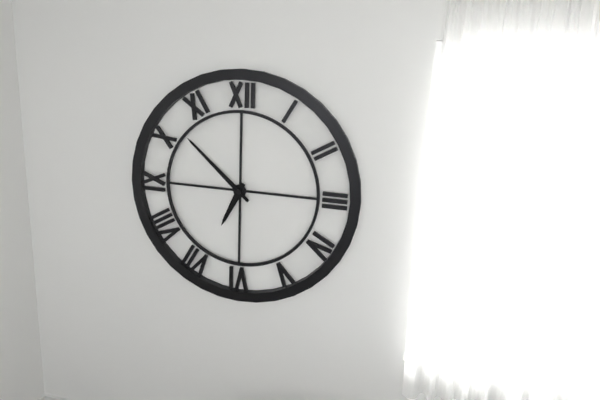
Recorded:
6,52
